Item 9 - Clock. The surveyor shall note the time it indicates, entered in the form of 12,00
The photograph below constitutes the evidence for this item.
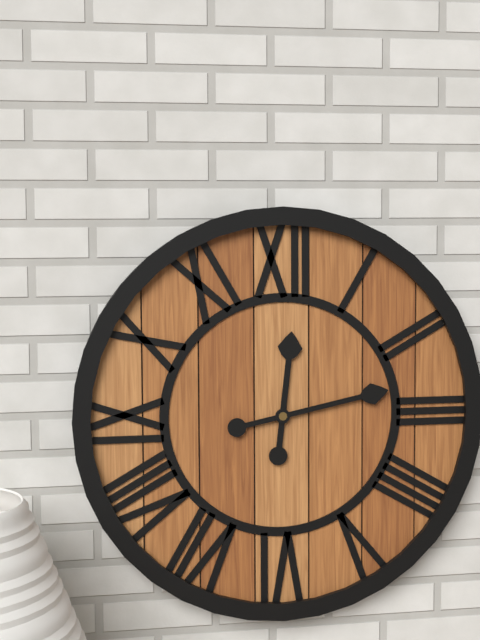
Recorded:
12,13
